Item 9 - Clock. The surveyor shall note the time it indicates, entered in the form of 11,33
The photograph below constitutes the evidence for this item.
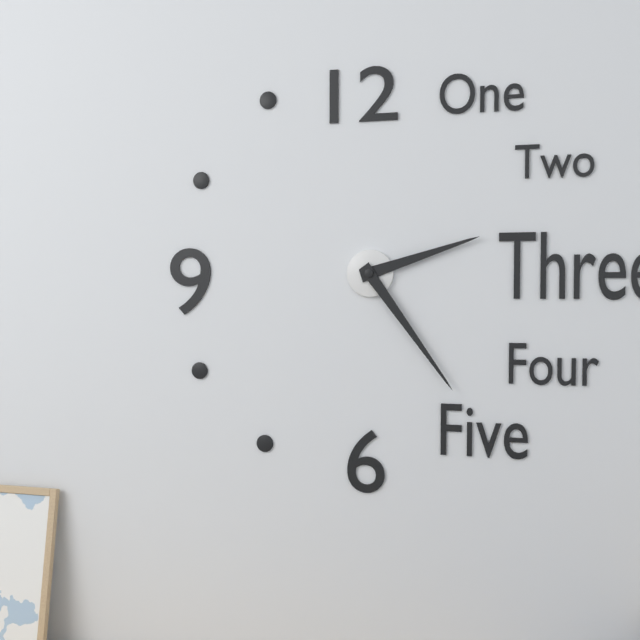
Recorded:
2,24
